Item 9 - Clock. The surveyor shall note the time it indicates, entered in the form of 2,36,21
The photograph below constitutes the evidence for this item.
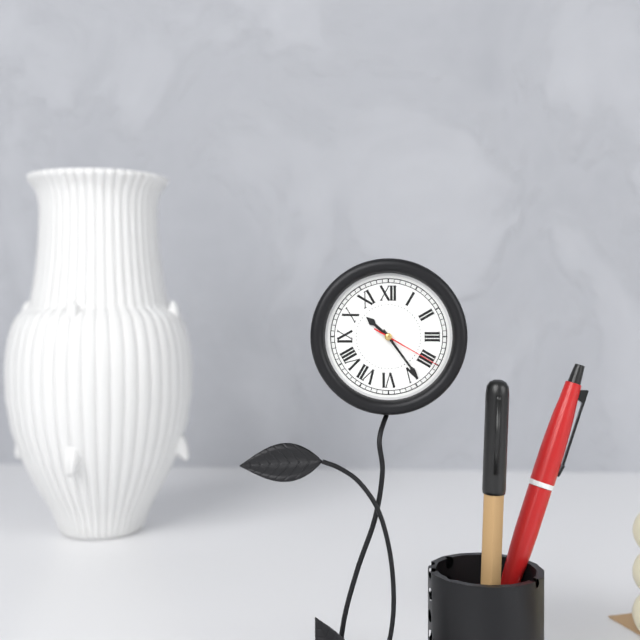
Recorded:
10,24,20
